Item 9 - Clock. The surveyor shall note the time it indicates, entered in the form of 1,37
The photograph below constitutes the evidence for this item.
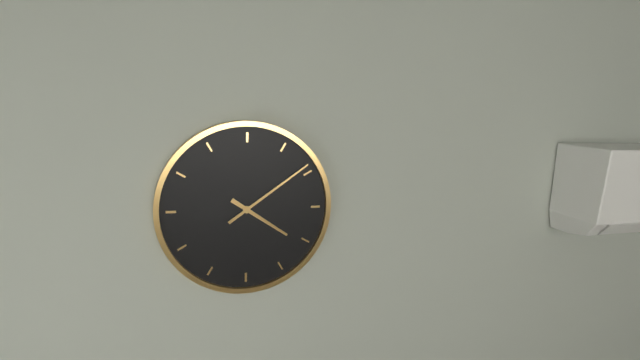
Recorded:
4,09
